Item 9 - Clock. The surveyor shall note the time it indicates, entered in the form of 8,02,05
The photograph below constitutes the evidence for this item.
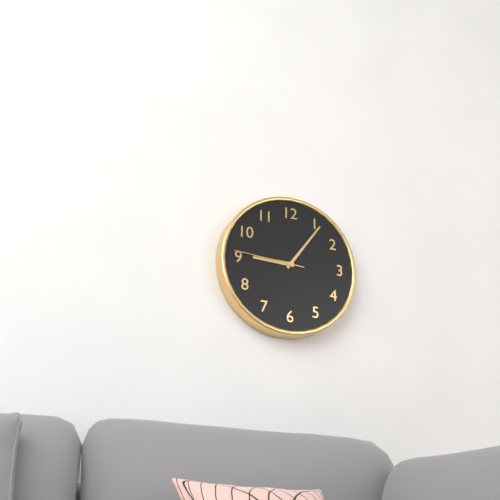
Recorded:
9,06,46
